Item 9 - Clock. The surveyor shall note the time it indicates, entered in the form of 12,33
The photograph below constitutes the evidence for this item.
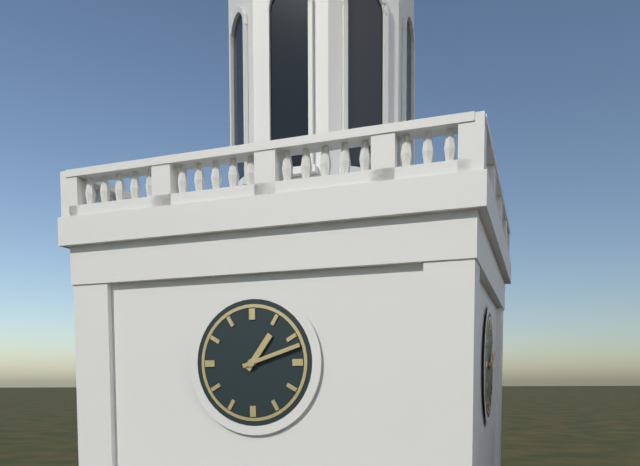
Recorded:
1,12
